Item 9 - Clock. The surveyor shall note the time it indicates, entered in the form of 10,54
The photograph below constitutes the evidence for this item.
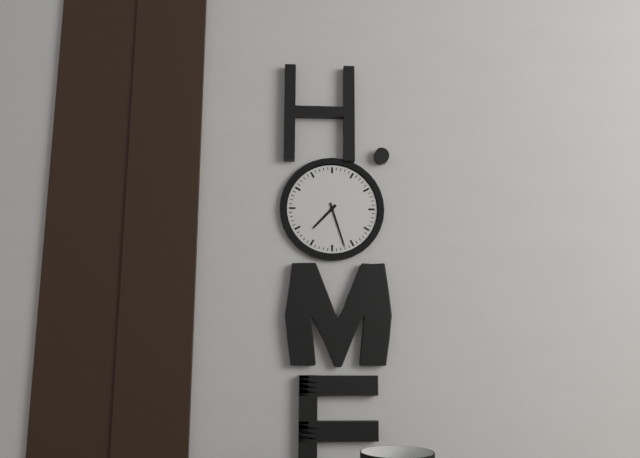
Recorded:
7,27
